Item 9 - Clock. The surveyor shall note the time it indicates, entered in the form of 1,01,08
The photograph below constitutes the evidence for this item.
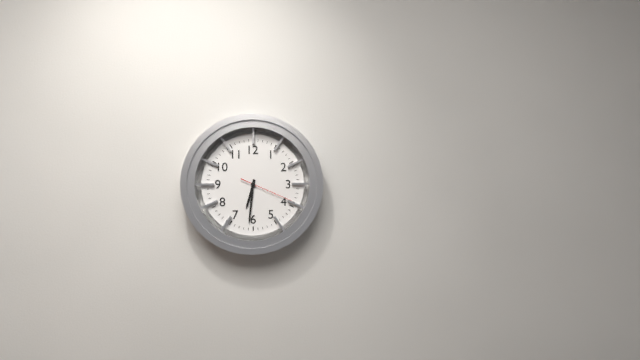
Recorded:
6,31,19
